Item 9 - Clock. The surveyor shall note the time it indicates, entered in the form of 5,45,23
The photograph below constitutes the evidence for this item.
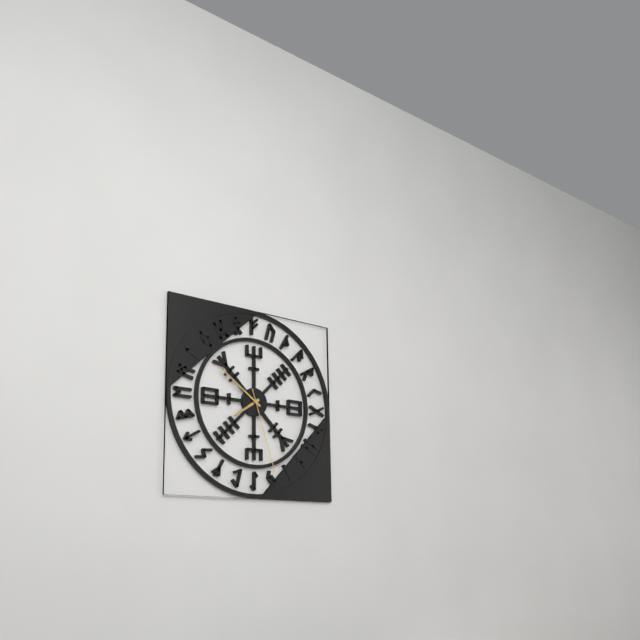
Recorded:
7,51,27
